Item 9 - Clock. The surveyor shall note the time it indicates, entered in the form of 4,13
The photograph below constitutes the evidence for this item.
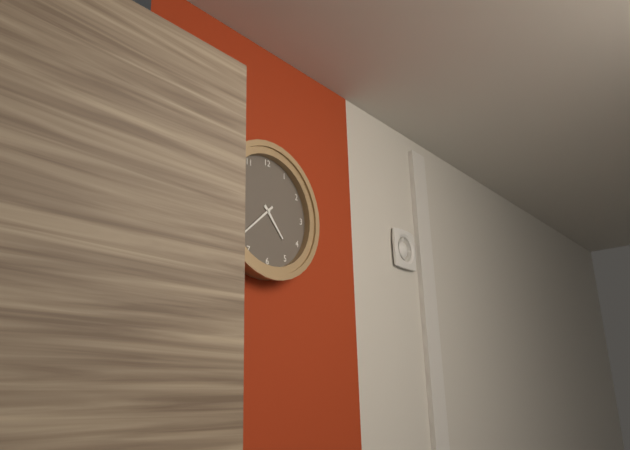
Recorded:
4,38
